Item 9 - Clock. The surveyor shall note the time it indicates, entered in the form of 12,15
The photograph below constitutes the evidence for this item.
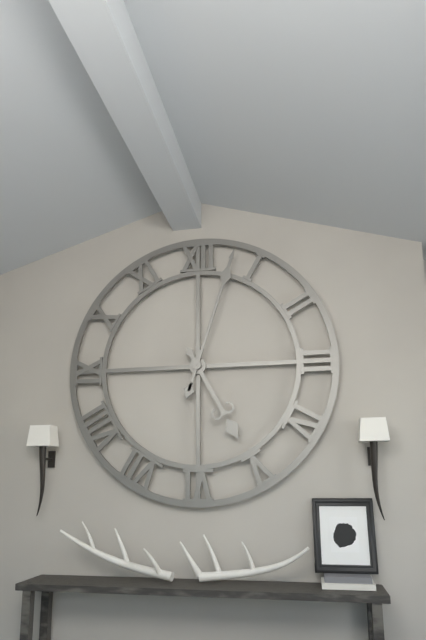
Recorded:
5,03
